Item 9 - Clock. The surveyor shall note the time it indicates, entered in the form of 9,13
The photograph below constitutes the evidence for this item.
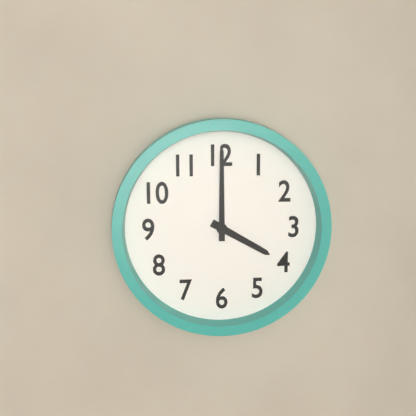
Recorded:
4,00
